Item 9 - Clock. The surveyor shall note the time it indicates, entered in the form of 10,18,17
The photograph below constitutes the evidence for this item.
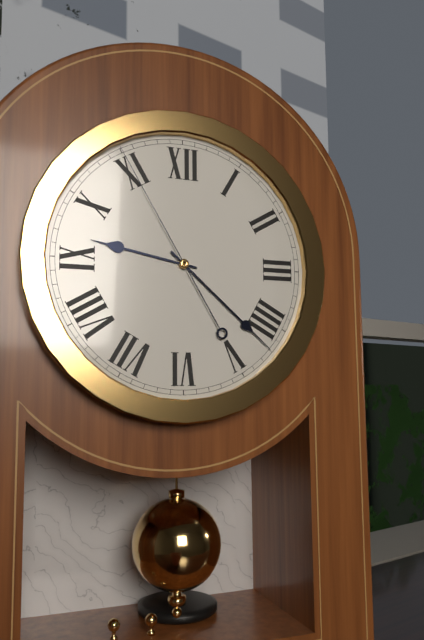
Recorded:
9,22,55
